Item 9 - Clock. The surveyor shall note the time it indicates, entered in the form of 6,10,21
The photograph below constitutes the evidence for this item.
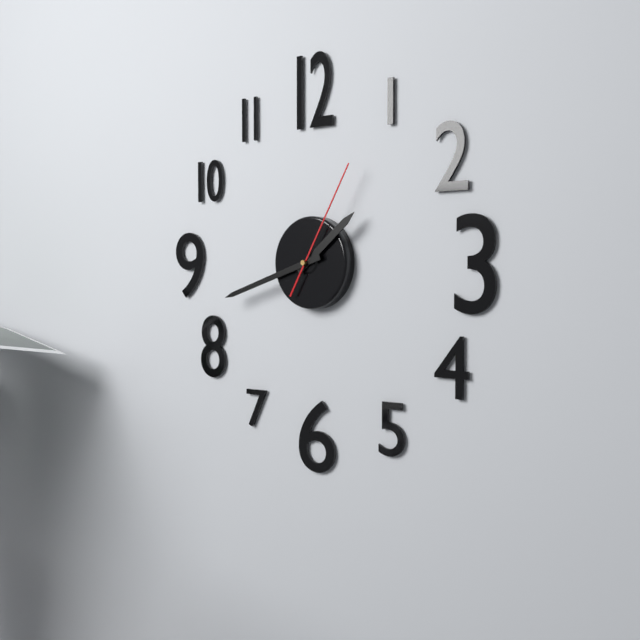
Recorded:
1,42,05
